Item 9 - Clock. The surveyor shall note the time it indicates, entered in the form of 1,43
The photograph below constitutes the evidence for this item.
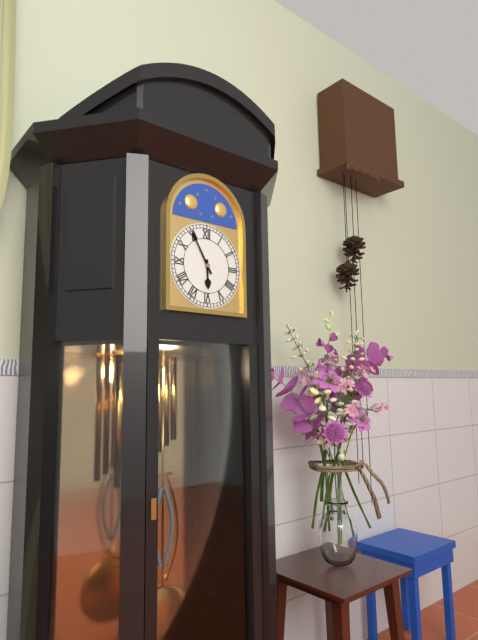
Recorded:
5,55
